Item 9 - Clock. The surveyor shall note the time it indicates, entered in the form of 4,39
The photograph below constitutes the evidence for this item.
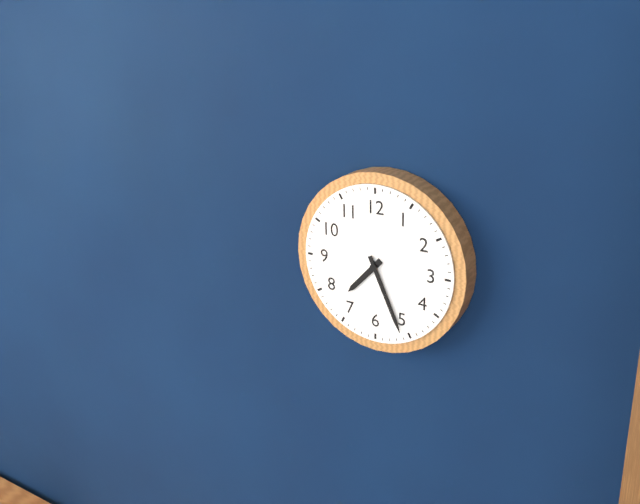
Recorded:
7,26
